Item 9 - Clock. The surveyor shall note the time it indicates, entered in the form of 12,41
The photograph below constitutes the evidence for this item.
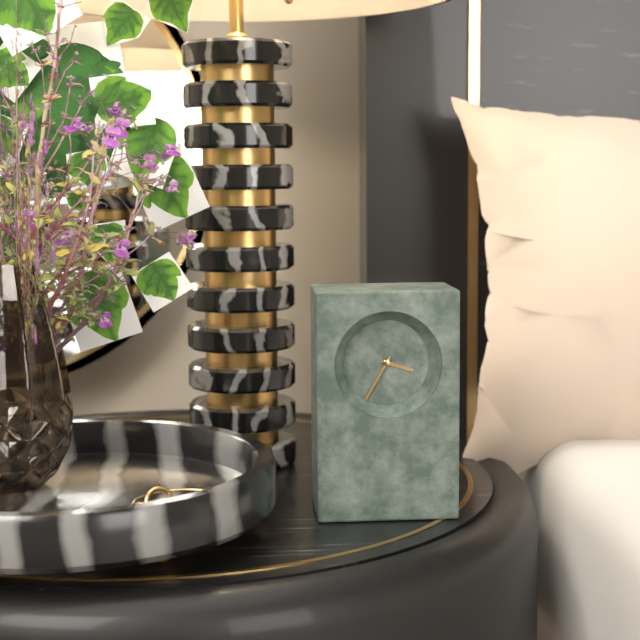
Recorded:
3,35
